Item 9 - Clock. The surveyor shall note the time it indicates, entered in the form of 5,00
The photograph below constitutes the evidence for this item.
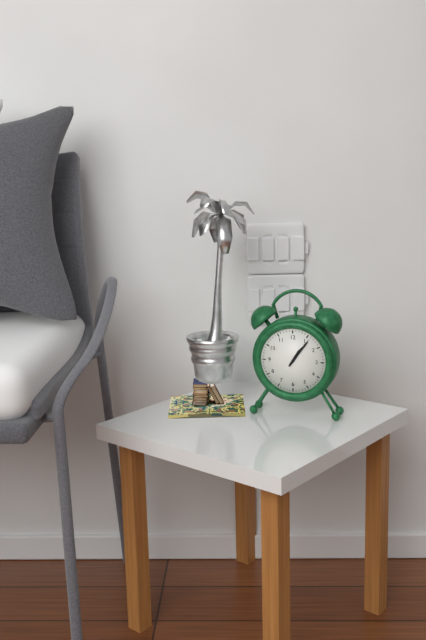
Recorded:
1,06
